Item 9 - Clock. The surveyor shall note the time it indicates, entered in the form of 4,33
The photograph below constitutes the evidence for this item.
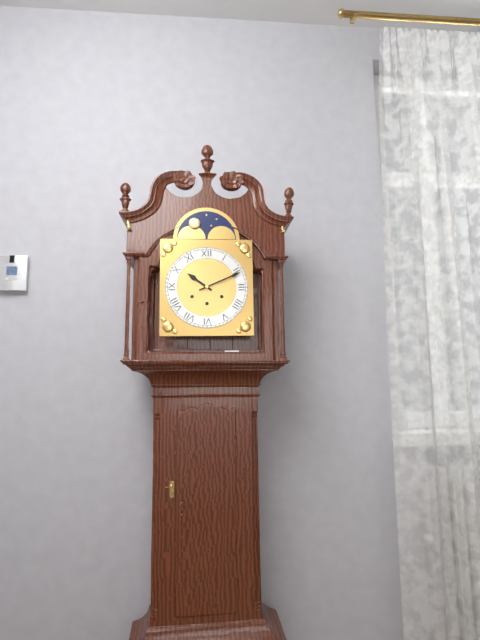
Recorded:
10,11
